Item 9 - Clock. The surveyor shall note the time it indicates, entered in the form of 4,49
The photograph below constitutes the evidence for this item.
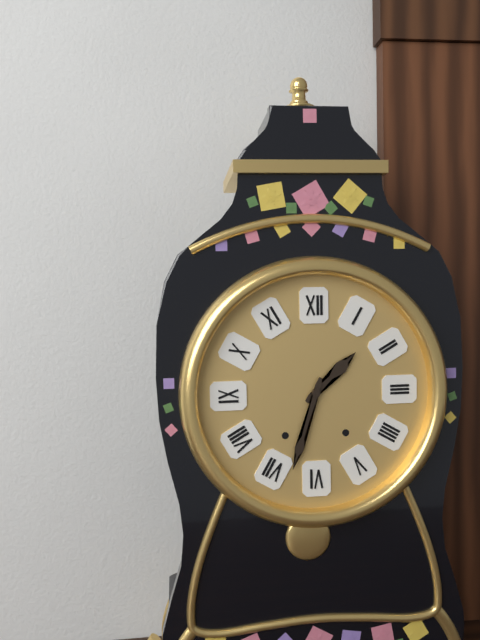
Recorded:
1,33
